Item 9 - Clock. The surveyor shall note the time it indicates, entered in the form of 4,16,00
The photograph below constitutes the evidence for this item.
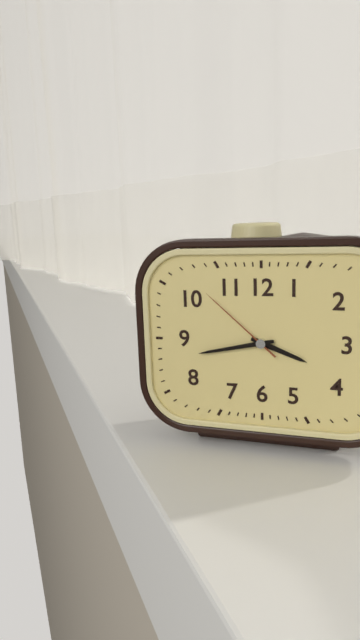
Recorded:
3,43,52
